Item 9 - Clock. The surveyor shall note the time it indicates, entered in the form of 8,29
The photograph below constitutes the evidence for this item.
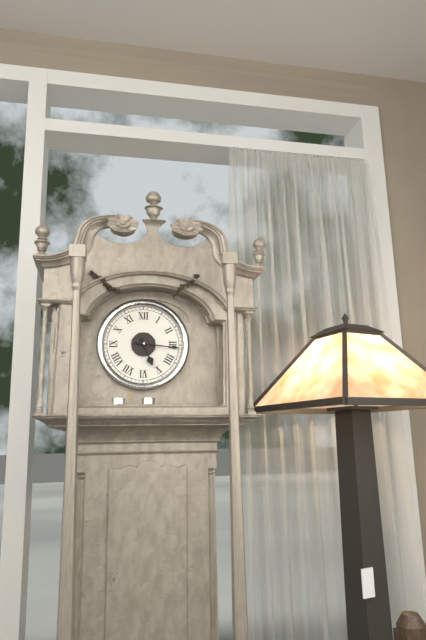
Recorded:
5,16
